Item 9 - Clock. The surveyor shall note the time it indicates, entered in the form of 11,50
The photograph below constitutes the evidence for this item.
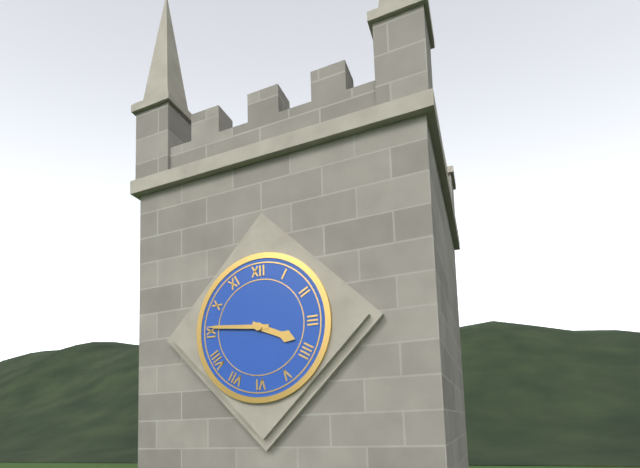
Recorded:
3,46
